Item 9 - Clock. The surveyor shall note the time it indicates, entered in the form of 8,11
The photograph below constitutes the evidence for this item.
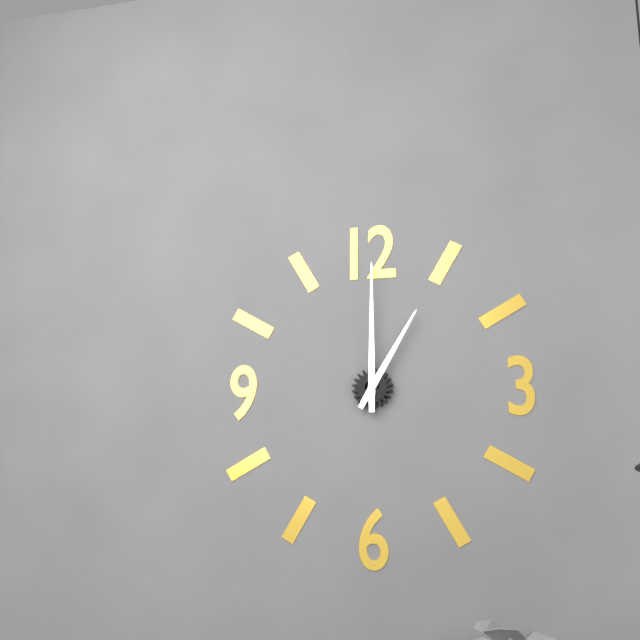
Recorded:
1,00
